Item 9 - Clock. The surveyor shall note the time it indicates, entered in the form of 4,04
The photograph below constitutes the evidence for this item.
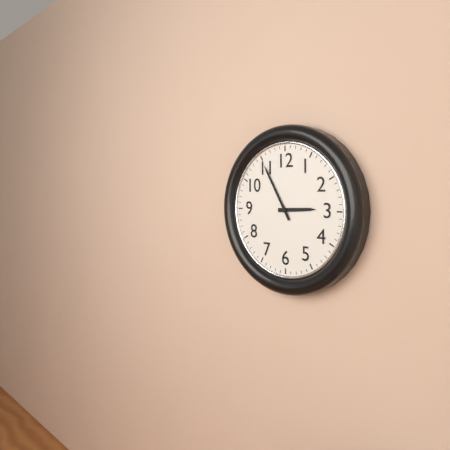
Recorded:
2,55
